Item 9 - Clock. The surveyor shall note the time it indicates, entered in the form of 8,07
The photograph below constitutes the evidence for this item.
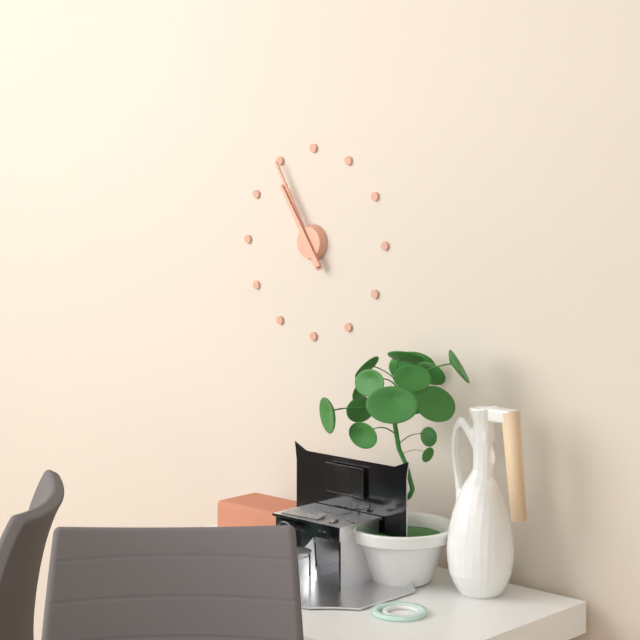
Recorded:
10,55
